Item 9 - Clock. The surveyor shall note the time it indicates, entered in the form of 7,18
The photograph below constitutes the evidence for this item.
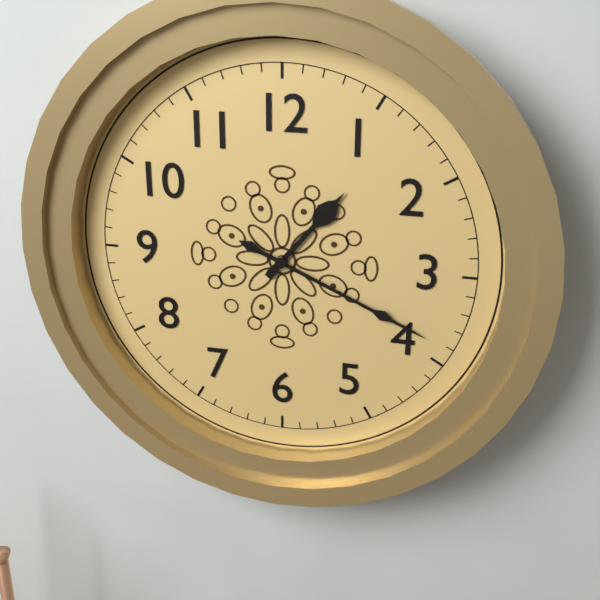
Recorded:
1,19
